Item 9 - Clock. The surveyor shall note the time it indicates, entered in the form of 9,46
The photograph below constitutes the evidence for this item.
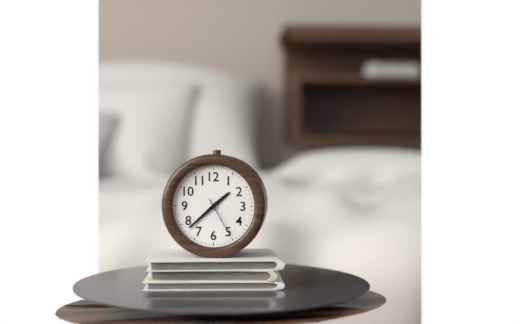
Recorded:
1,38
